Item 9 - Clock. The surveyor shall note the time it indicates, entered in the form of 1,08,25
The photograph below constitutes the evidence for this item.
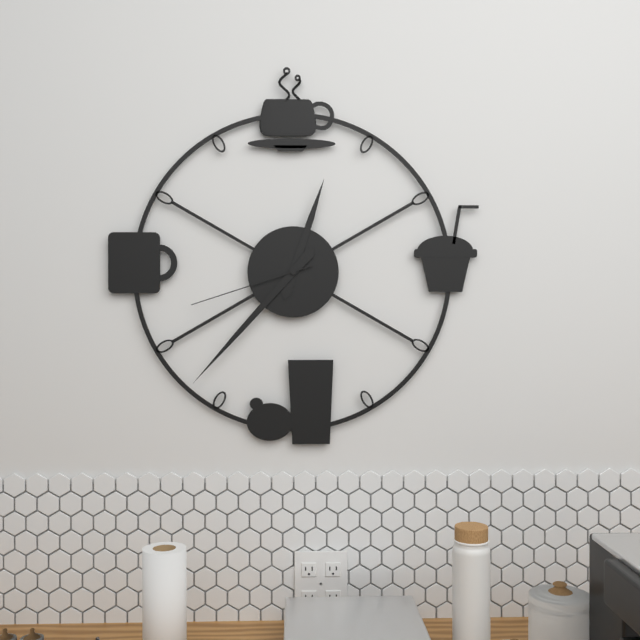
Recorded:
12,37,42
